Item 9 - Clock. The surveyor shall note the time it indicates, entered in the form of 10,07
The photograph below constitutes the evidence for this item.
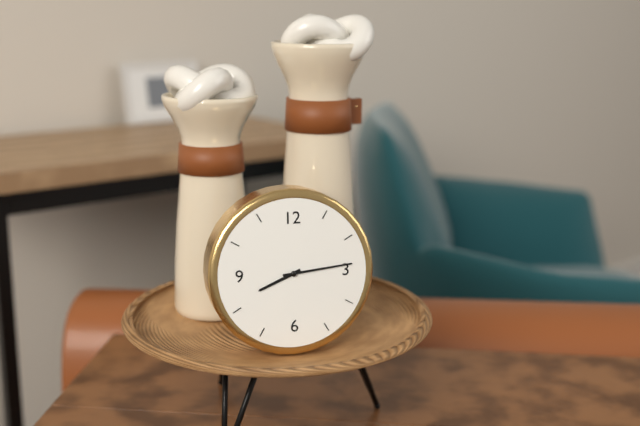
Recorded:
8,14
